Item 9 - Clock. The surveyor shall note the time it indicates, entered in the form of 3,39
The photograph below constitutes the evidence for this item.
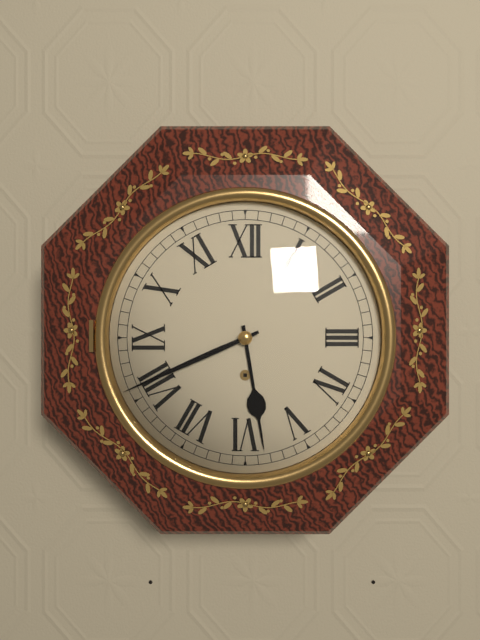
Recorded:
5,41
